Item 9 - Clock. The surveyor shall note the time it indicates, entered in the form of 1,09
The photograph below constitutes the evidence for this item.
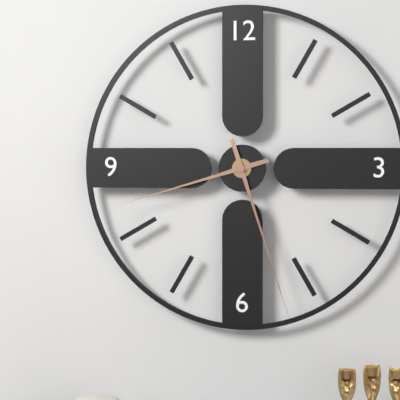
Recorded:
8,27
